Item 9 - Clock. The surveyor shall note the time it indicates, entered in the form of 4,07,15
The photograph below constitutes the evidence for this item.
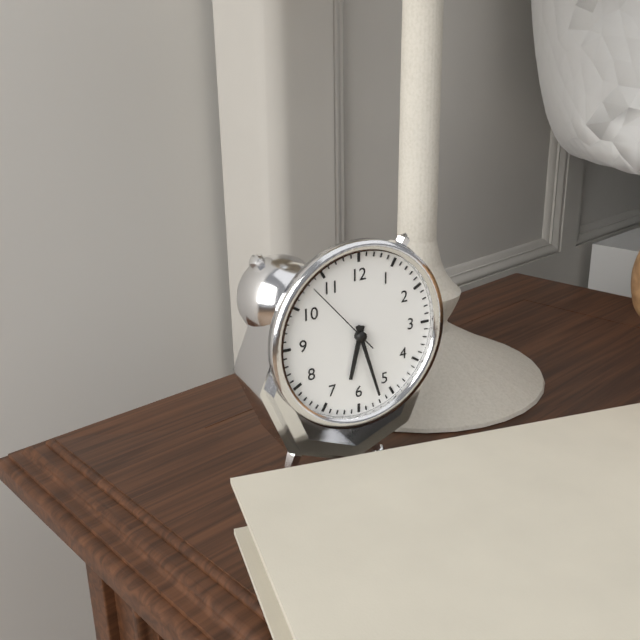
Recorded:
6,27,53
